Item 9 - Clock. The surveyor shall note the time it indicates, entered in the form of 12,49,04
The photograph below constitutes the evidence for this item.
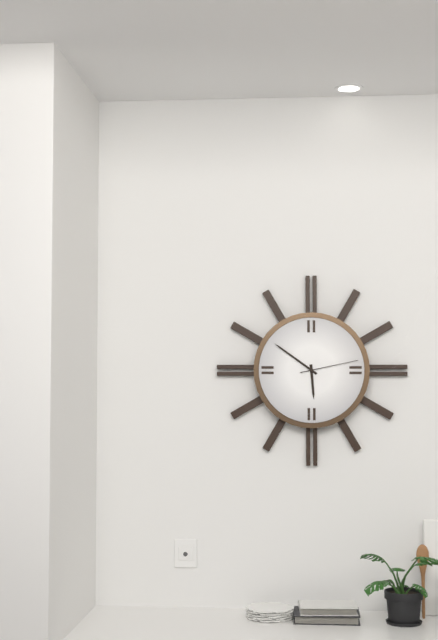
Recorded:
5,51,13
